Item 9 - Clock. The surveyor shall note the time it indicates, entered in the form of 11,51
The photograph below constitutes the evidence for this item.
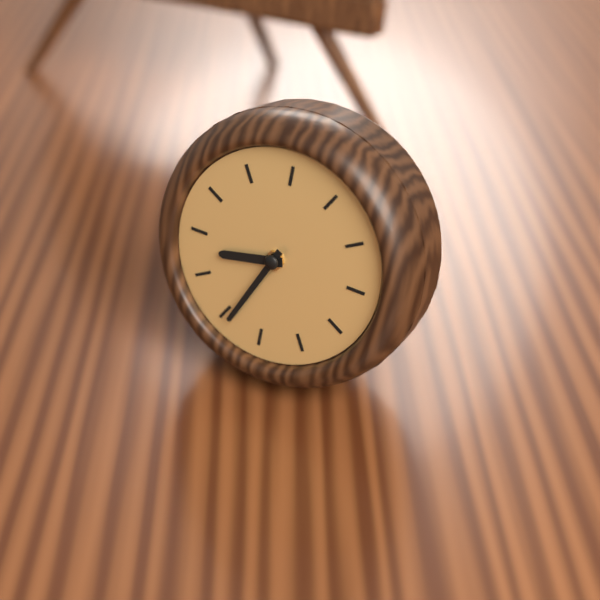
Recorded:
8,34
